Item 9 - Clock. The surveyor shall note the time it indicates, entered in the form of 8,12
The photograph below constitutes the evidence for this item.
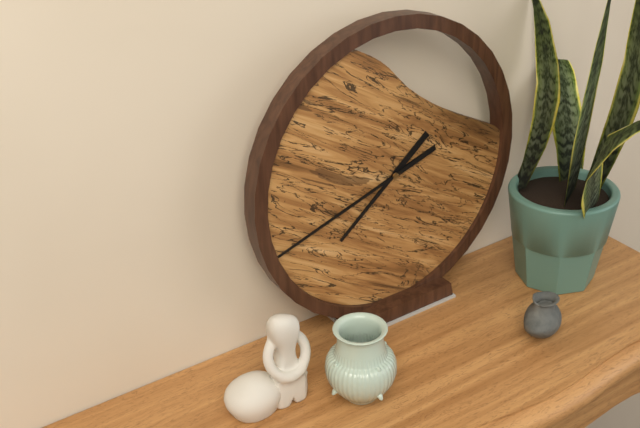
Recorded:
7,42
